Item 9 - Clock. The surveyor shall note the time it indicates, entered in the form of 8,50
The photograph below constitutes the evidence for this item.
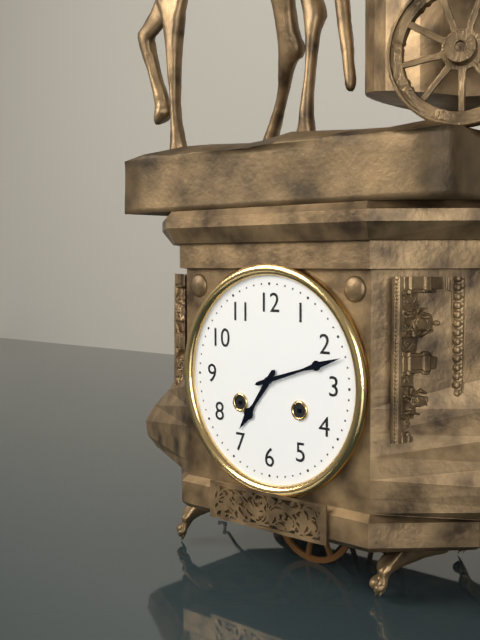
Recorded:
7,12
